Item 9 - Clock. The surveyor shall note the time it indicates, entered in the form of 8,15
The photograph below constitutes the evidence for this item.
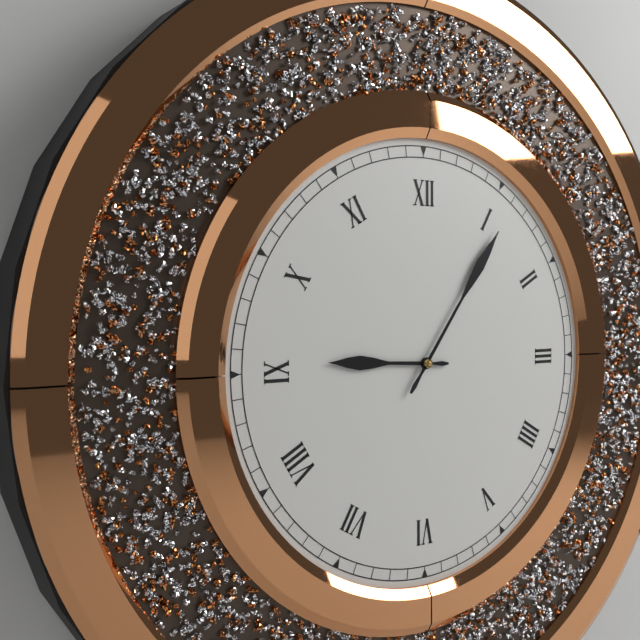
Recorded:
9,06
